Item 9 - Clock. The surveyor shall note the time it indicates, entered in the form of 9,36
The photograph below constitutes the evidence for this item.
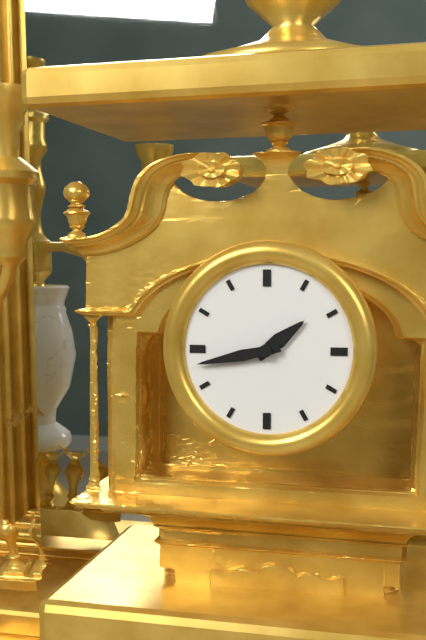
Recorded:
1,43
